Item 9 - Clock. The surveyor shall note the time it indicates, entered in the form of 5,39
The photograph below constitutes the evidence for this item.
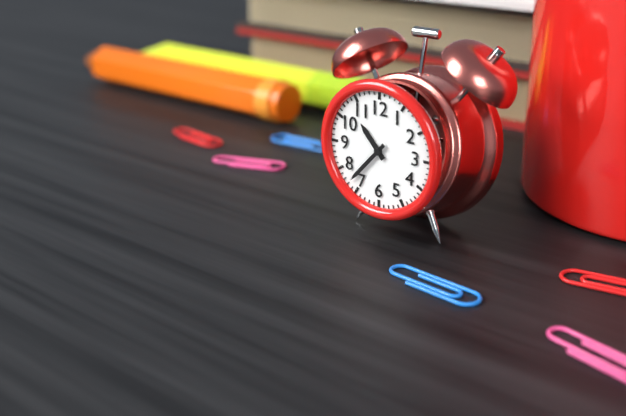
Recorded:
10,37
